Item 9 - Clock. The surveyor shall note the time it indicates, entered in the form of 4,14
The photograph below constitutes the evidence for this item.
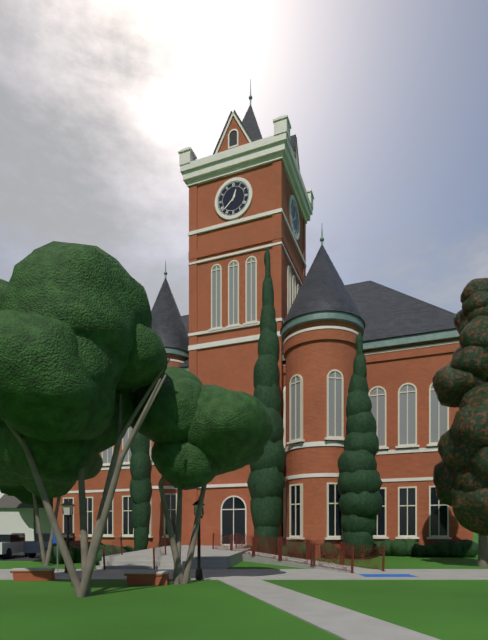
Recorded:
12,38
